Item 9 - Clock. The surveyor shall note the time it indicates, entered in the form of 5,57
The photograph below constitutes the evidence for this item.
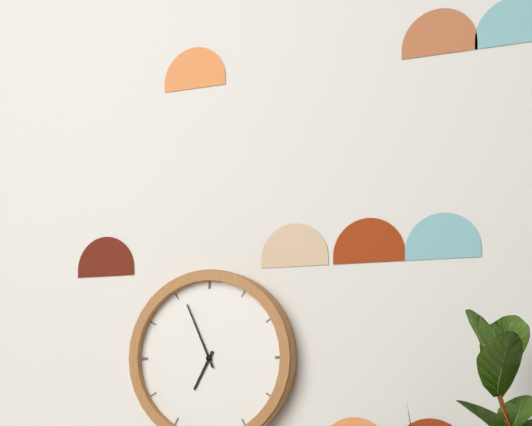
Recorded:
6,56
